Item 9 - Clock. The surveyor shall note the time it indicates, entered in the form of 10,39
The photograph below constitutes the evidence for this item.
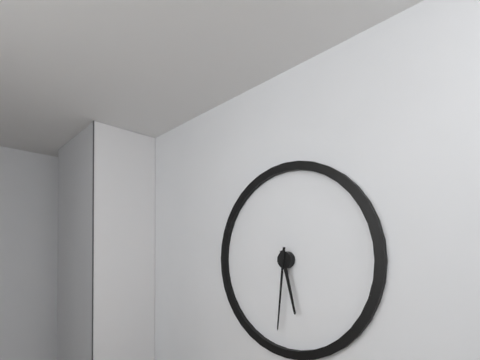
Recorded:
5,31
